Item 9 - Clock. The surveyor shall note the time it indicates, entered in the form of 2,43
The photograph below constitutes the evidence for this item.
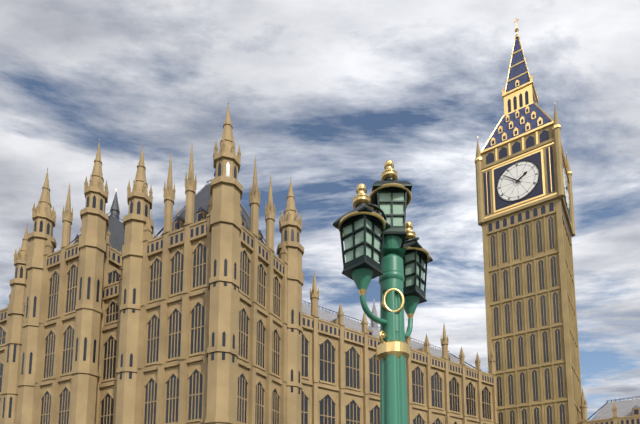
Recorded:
1,52
